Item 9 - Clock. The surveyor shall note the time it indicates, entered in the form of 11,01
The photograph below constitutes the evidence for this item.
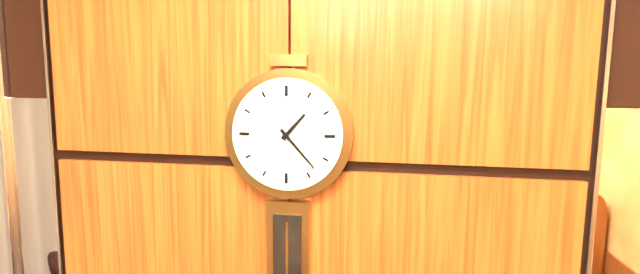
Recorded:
1,23
